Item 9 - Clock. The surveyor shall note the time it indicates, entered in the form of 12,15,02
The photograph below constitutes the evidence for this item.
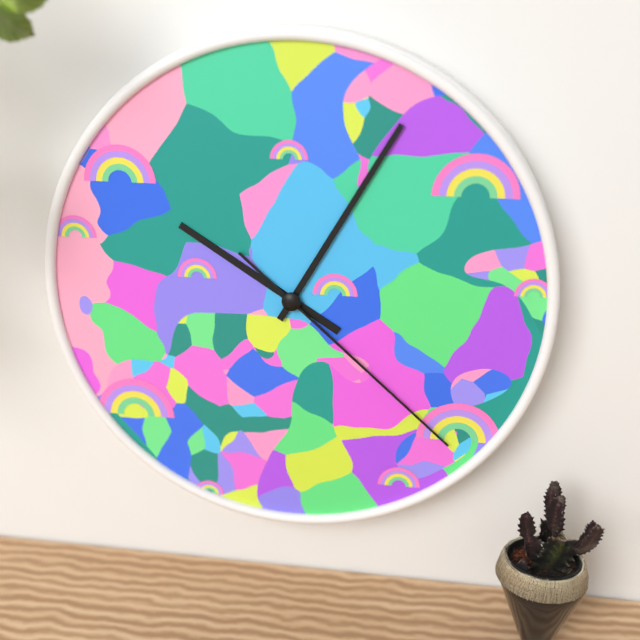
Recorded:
10,05,22
